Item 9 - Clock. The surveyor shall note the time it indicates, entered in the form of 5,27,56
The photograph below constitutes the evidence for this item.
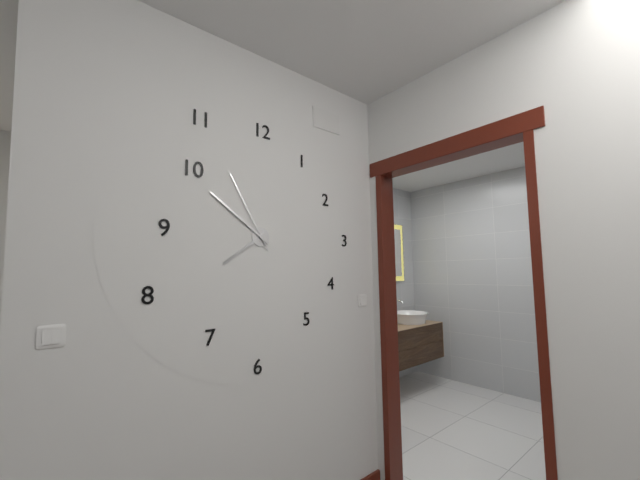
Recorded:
7,51,55
